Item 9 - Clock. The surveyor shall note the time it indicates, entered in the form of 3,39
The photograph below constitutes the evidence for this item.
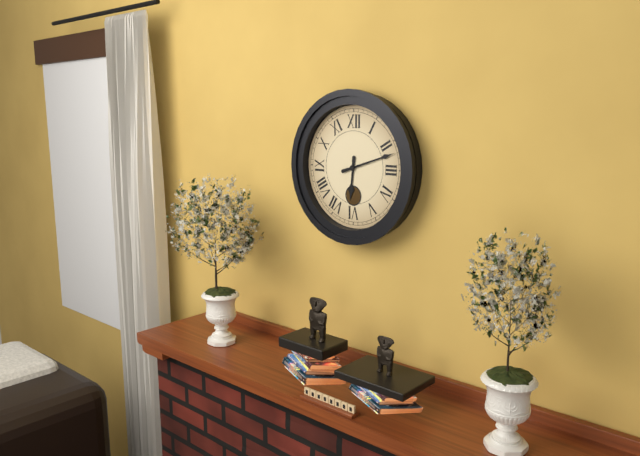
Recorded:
6,12
